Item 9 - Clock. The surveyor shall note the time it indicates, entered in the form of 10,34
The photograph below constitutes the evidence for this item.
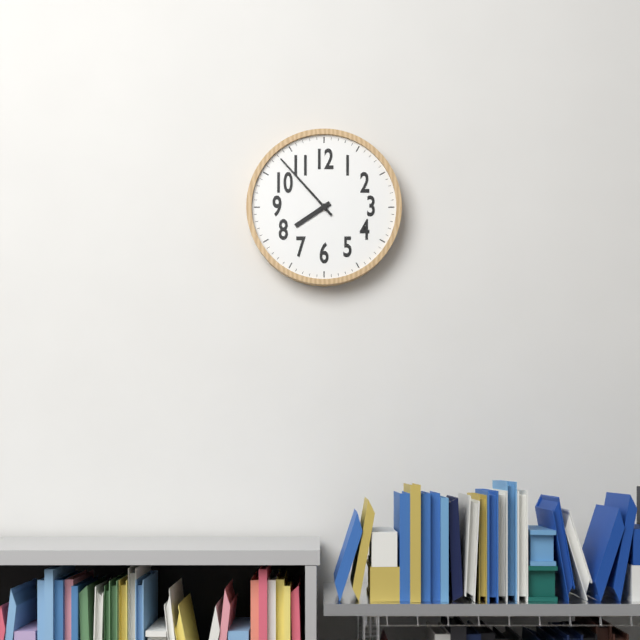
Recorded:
7,53
